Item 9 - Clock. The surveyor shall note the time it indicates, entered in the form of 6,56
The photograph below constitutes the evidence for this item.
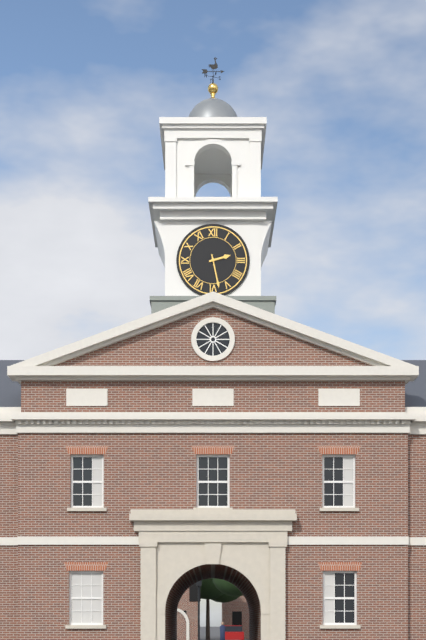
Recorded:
2,28
